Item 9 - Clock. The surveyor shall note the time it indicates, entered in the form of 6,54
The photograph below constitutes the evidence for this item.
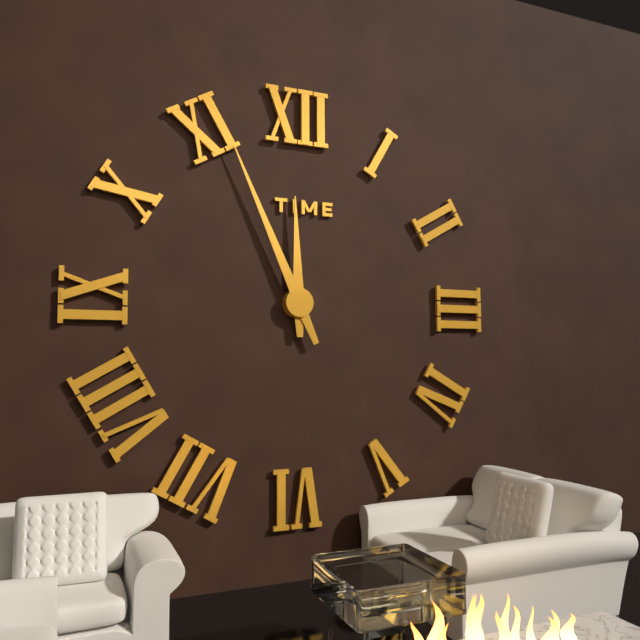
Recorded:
11,56
